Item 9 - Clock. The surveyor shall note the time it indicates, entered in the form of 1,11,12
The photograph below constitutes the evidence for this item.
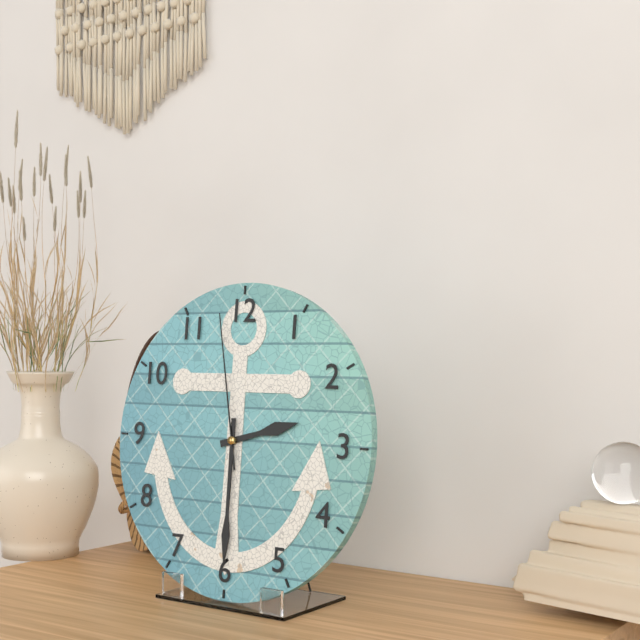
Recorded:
2,30,58
